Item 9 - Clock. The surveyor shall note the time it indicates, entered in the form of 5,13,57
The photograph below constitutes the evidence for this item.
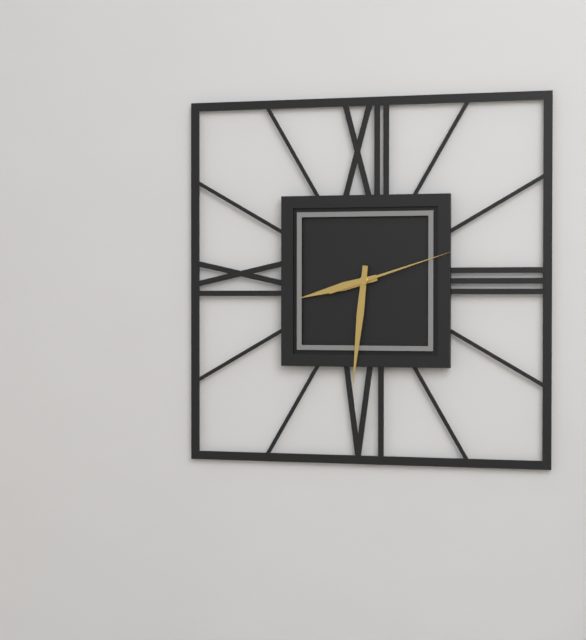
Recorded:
8,31,12
